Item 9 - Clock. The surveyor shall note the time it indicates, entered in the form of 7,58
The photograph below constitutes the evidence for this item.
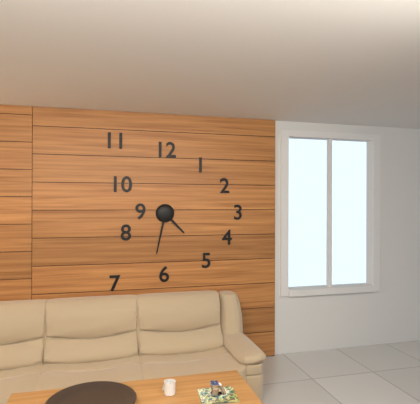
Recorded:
4,32
